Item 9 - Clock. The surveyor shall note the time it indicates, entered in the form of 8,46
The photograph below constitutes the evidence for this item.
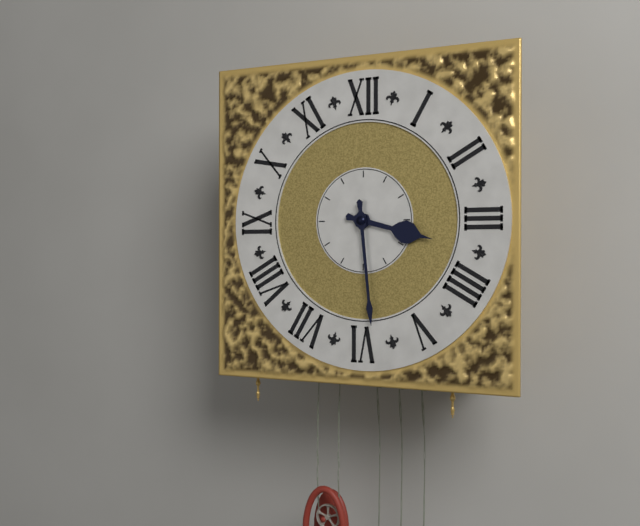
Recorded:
3,29
